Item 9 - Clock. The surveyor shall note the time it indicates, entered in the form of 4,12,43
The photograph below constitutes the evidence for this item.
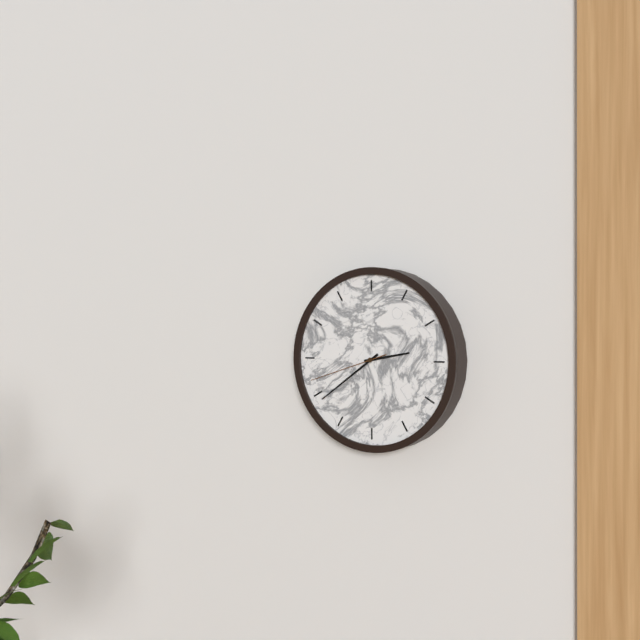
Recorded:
2,39,42
